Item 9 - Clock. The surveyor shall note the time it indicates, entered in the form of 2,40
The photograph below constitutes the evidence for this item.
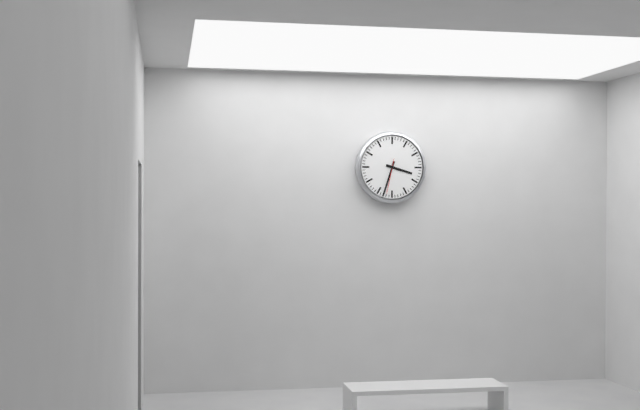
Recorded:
3,33
